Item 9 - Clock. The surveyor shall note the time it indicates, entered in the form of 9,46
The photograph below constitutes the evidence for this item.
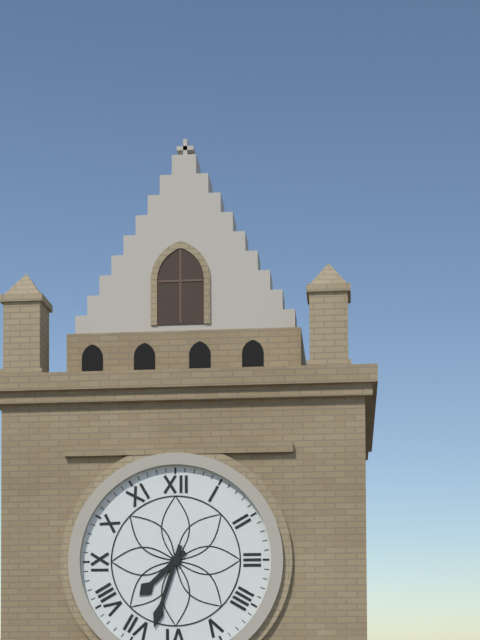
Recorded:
7,33
